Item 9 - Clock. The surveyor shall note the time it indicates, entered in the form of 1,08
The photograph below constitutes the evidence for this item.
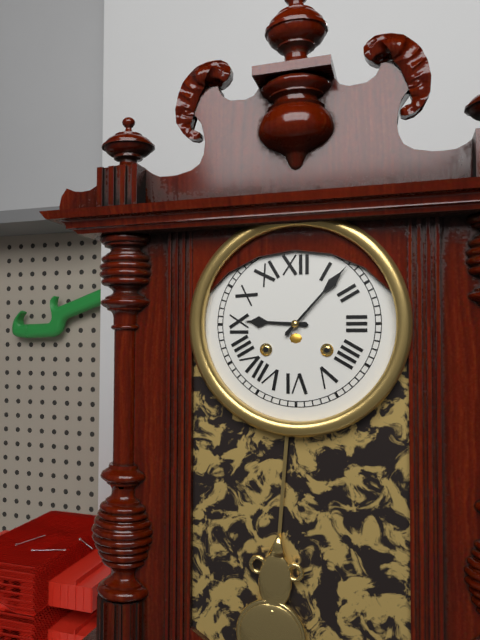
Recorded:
9,07
